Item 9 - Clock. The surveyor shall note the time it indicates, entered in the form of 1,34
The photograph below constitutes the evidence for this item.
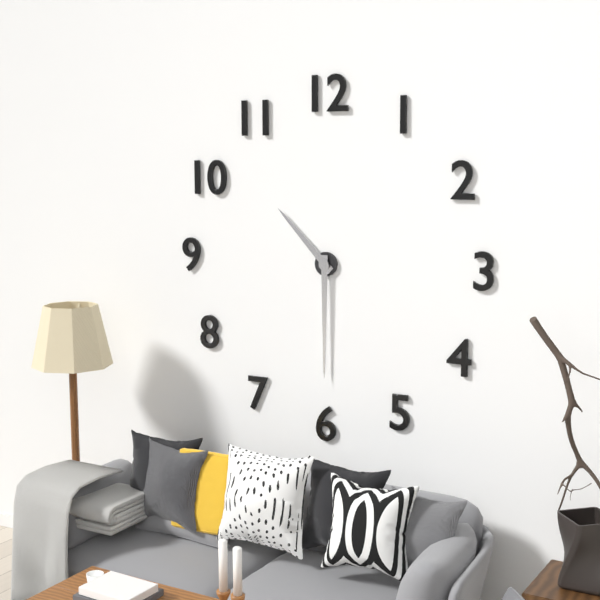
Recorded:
10,30
